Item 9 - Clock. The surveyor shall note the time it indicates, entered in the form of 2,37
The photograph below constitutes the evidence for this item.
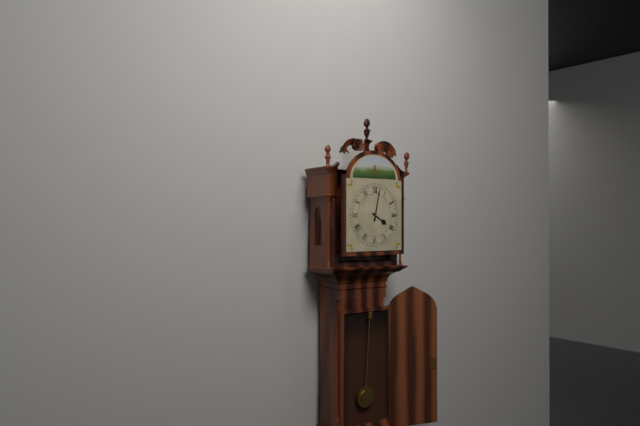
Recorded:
4,02
